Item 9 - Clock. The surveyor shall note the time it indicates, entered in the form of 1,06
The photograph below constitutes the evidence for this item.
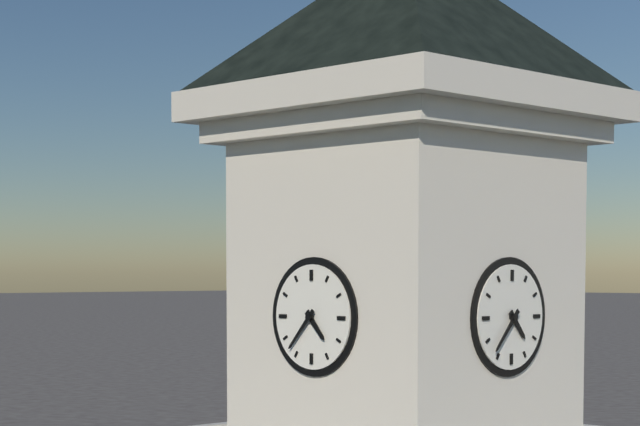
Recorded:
4,37
